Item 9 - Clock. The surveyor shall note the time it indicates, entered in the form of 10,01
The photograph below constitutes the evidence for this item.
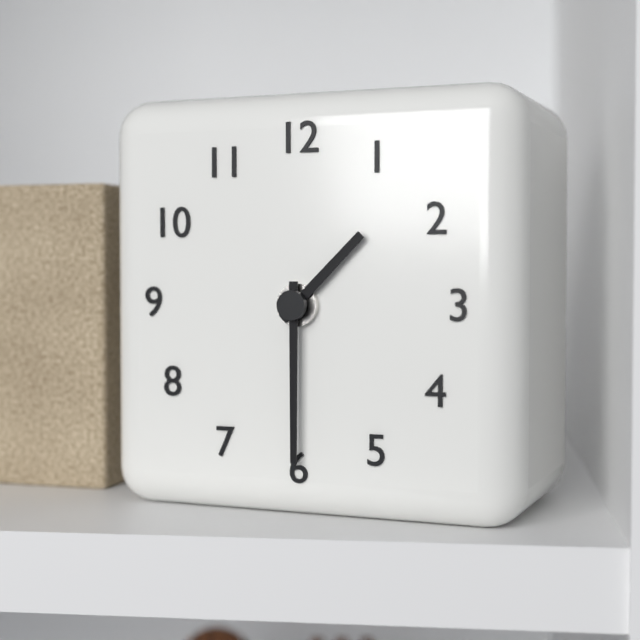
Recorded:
1,30
